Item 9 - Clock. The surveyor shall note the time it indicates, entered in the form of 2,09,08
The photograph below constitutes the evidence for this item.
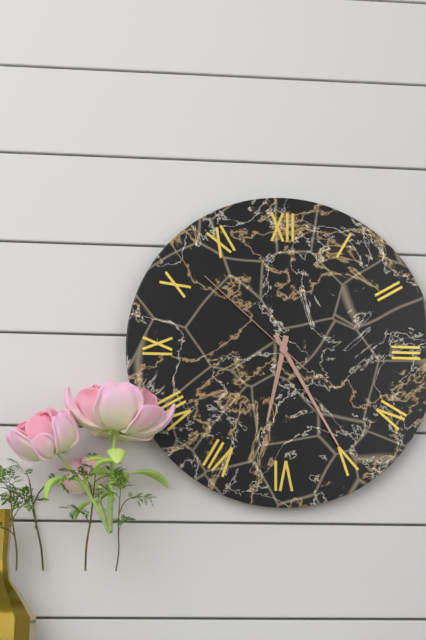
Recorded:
6,25,52
